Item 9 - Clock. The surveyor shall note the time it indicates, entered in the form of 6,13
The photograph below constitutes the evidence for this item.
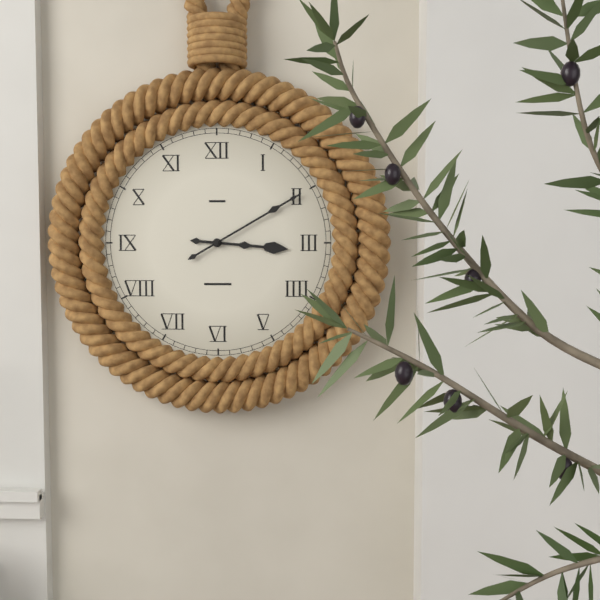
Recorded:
3,10
